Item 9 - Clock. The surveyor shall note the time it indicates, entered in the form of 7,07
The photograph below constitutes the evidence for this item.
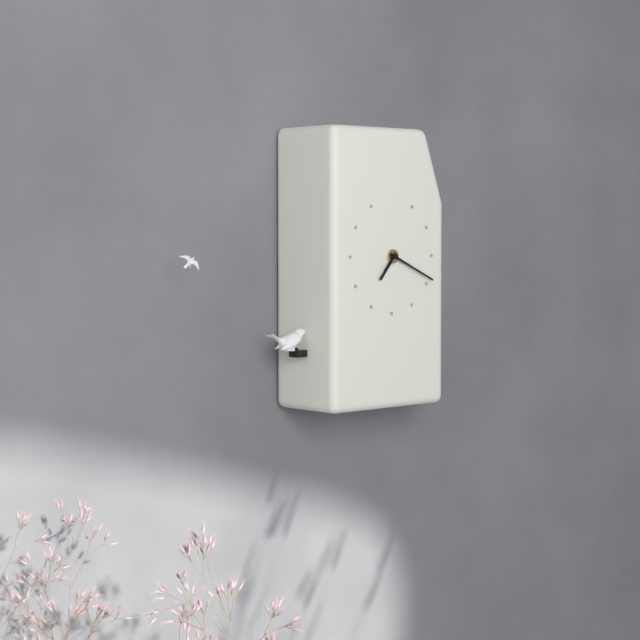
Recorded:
7,19
